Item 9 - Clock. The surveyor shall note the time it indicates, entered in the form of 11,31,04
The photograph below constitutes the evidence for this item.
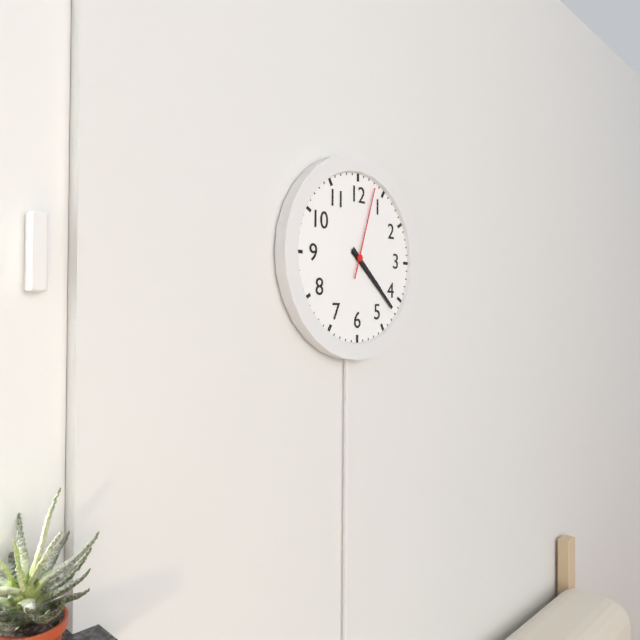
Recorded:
4,22,03
